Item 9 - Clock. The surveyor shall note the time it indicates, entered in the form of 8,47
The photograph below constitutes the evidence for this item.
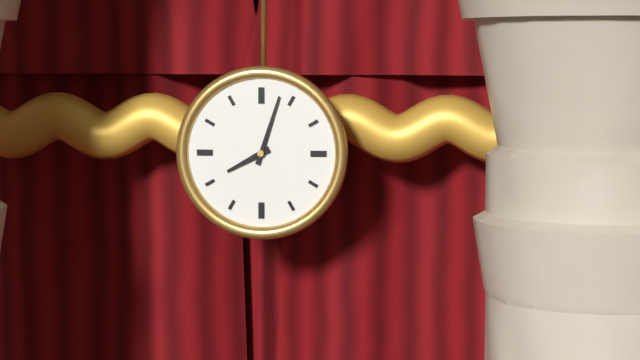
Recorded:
8,03
